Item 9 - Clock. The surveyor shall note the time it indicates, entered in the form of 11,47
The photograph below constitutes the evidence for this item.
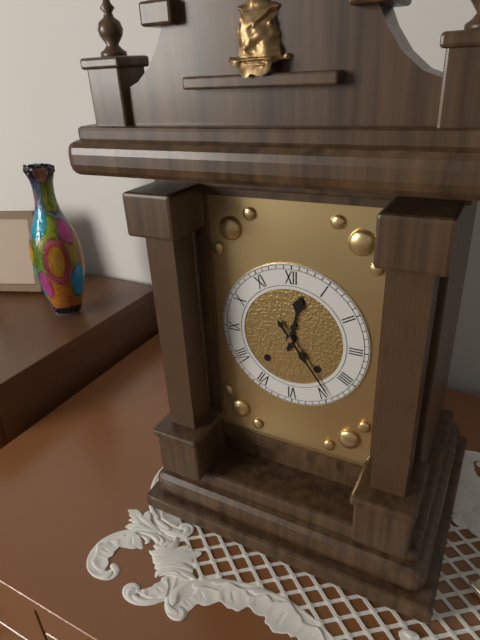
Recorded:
12,24
